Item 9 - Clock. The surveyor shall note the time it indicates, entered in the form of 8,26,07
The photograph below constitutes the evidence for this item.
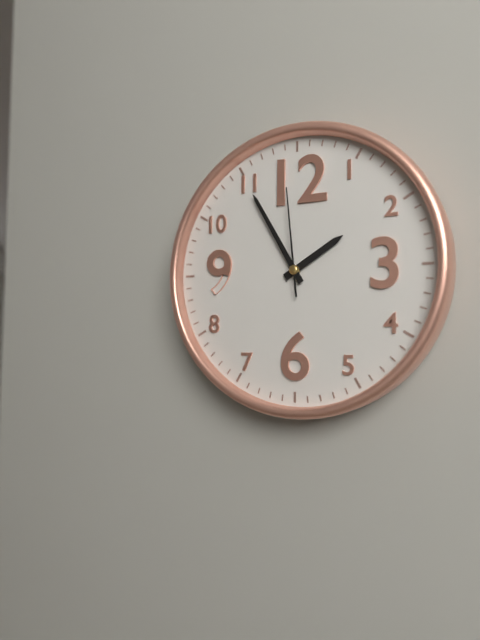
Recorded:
1,55,59
